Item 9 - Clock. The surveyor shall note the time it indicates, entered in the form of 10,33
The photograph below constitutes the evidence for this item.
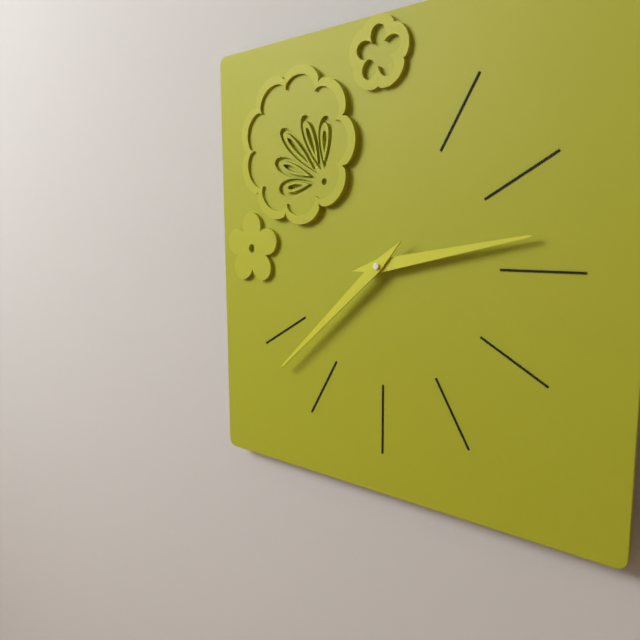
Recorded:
2,38
